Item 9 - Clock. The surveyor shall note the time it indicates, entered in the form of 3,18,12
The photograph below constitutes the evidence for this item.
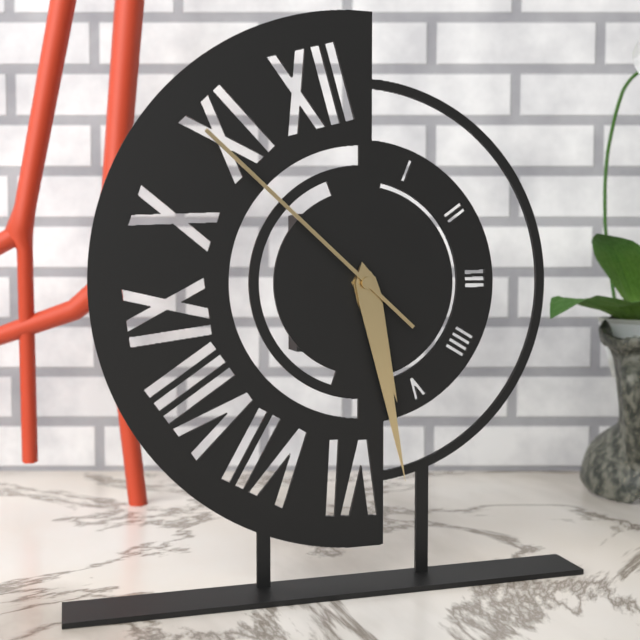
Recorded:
5,28,52
